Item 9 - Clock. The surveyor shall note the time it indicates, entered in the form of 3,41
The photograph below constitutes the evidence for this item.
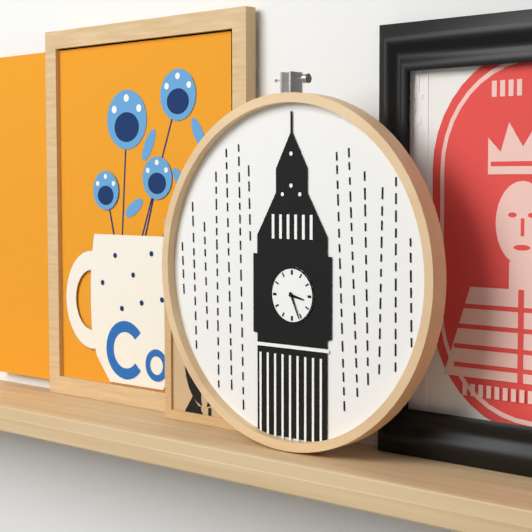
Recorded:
3,26
